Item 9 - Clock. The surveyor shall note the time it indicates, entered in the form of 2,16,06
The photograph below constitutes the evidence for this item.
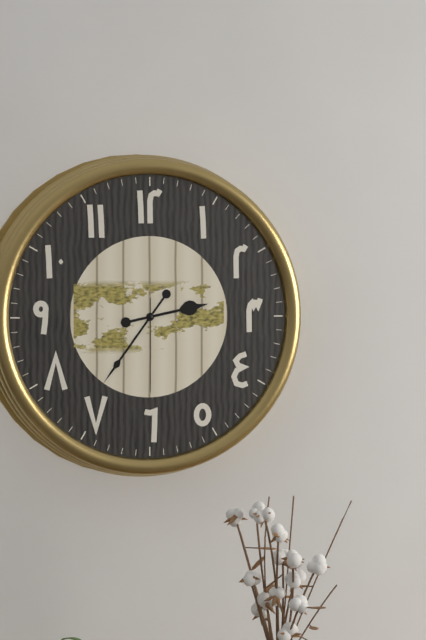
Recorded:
2,36,30
